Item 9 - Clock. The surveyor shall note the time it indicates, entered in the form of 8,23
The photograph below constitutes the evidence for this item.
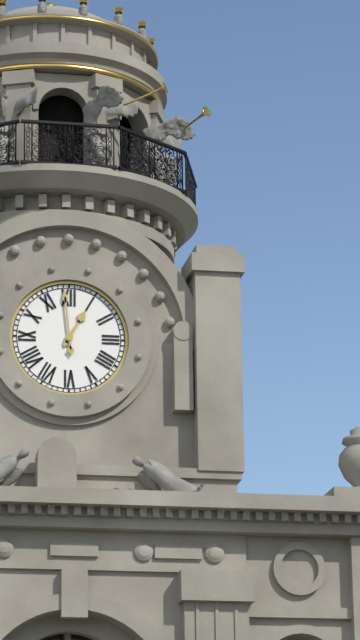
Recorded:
12,59
